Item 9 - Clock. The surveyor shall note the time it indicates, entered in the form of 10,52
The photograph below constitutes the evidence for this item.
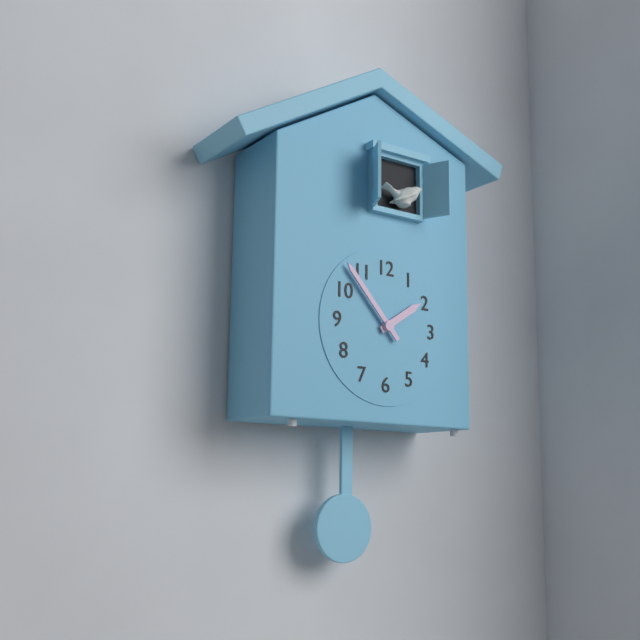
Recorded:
1,53
